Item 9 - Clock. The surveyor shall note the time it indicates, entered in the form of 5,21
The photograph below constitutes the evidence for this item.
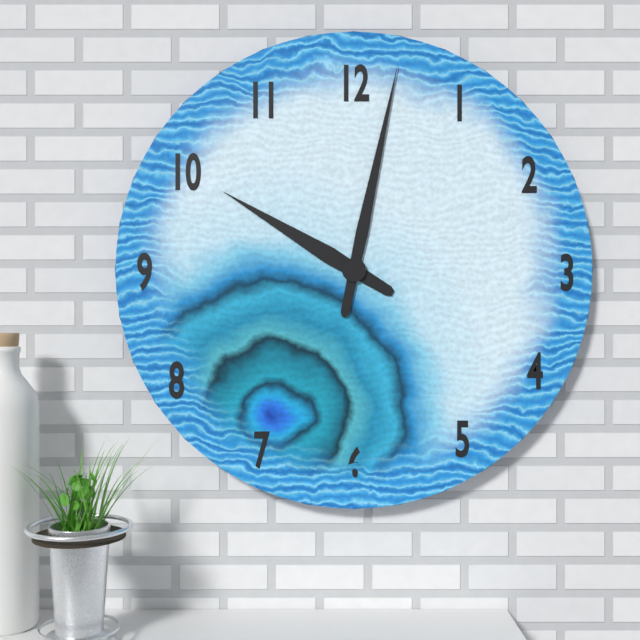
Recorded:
10,02
